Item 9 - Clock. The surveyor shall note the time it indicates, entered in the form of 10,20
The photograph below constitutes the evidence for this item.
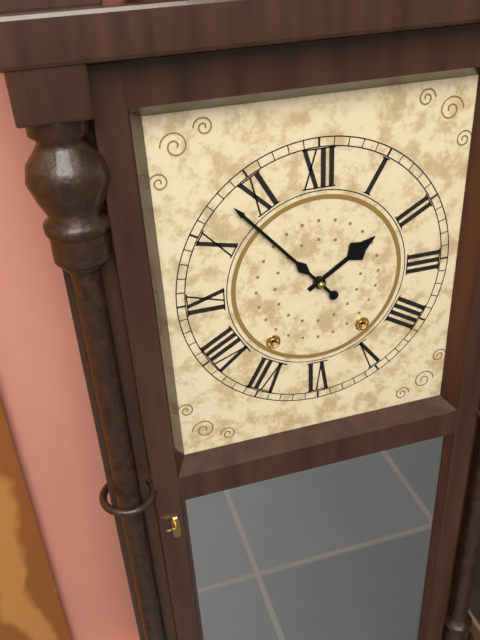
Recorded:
1,53
